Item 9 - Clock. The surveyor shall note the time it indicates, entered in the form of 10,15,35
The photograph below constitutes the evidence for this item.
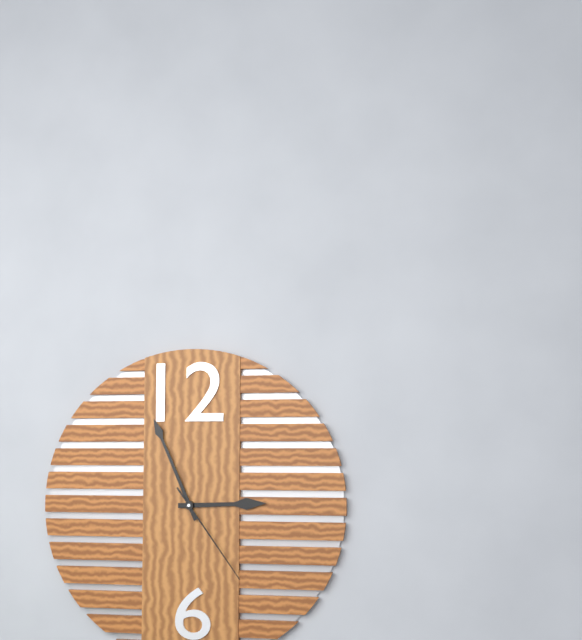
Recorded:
2,56,24
